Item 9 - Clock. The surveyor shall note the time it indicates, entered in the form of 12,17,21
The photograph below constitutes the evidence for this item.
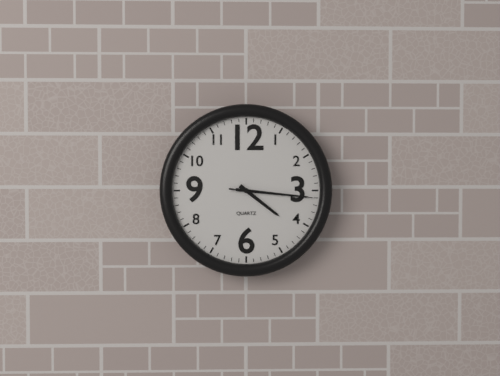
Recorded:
4,16,16
